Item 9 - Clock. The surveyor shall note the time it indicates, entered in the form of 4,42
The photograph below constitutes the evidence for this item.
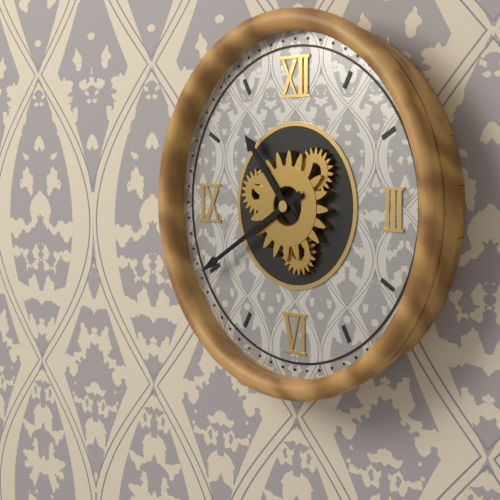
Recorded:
10,40
